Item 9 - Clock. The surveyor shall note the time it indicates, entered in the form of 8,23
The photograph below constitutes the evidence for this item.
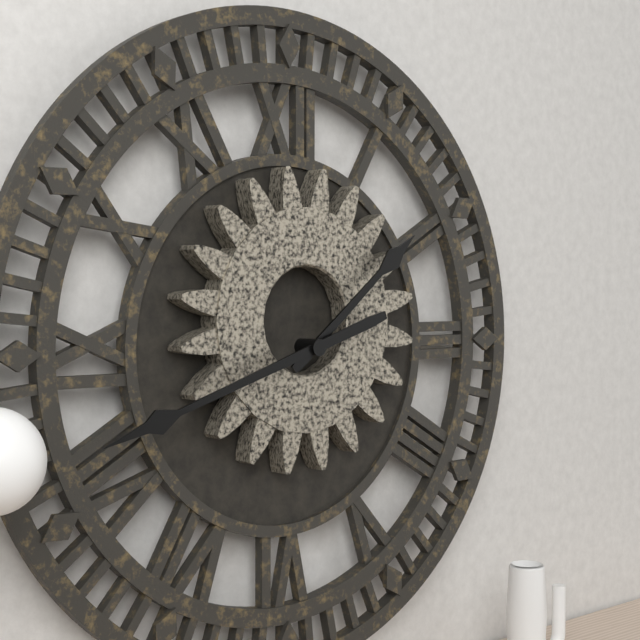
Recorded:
1,42
